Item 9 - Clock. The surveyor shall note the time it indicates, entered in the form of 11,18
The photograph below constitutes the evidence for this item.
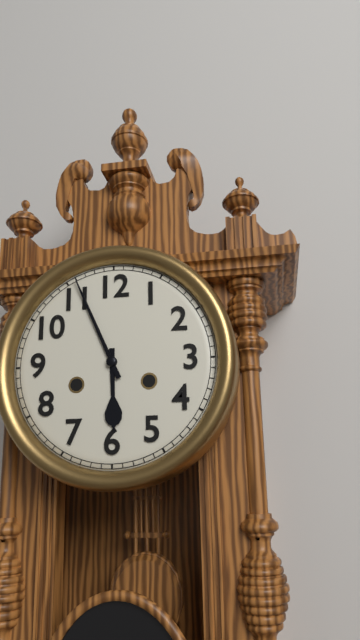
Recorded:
5,56
